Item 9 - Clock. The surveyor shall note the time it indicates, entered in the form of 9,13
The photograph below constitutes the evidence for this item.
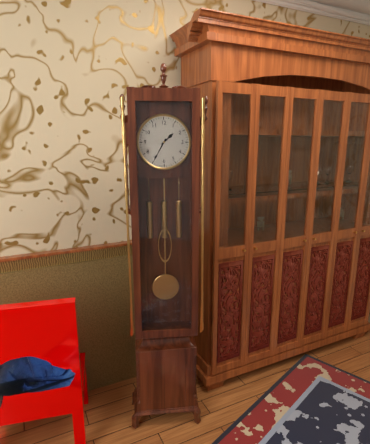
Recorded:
1,35
